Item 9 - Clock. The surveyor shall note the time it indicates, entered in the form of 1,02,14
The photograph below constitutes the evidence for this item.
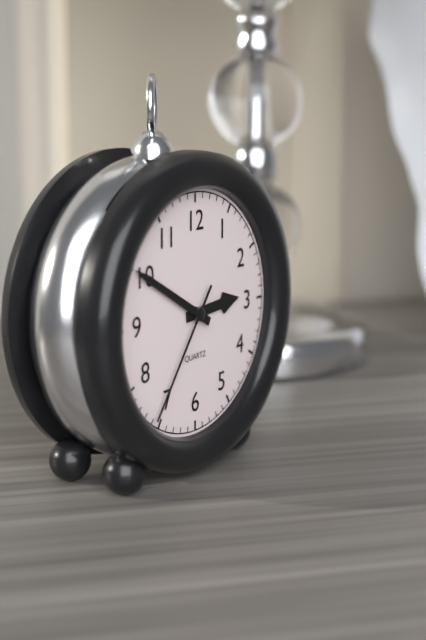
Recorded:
2,50,36
